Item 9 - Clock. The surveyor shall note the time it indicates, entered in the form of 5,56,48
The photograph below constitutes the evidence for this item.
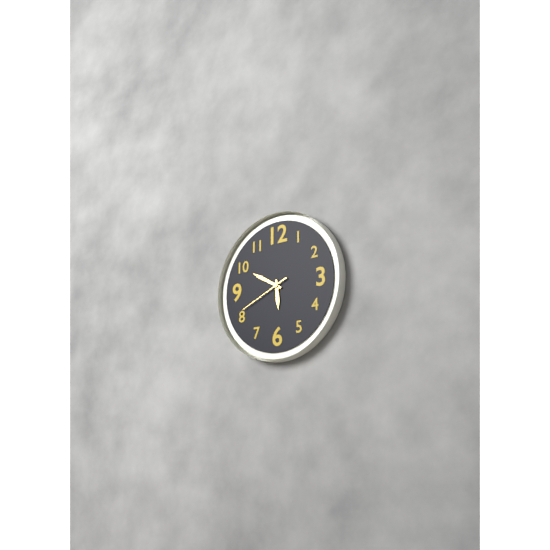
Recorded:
5,50,41
